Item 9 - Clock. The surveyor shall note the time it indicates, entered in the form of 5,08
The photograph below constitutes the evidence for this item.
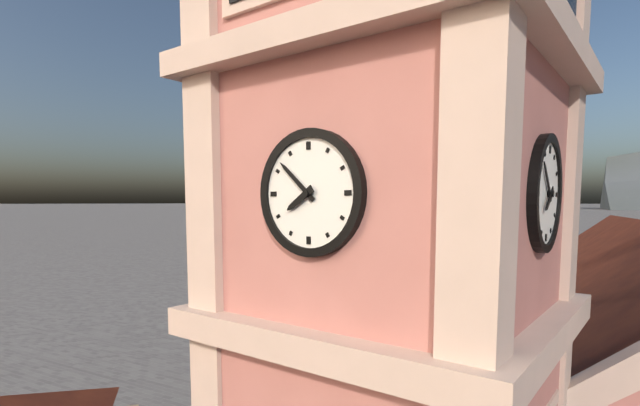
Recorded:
7,52
